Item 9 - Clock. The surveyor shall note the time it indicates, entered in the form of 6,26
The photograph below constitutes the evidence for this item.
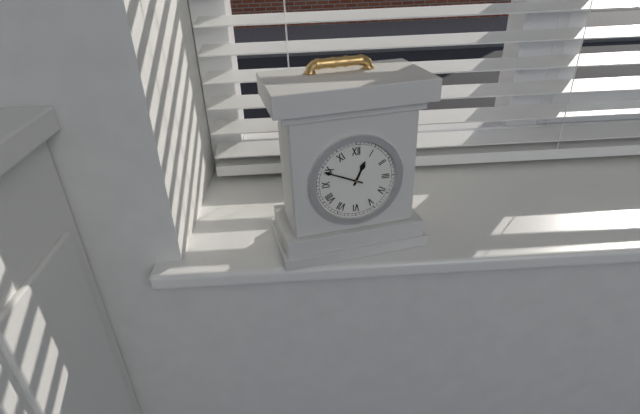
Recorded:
12,49
